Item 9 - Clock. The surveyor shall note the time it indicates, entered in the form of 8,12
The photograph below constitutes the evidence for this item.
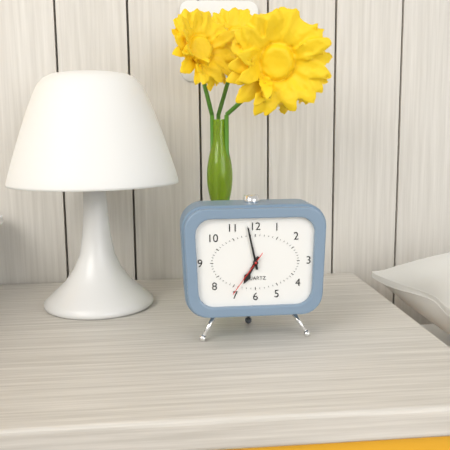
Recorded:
6,58
